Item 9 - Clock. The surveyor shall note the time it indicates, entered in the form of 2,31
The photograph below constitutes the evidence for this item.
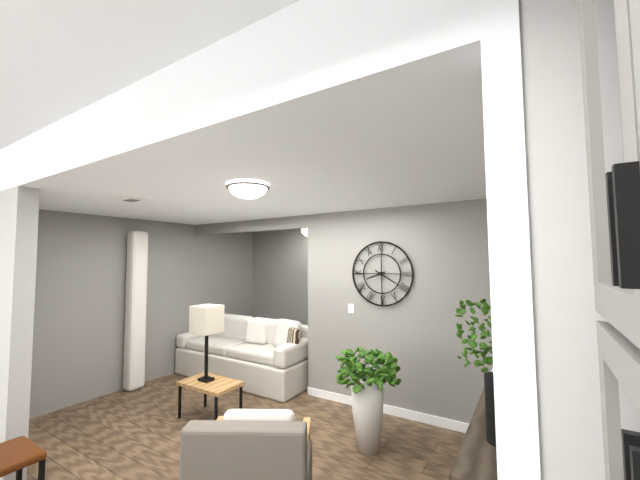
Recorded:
8,20
